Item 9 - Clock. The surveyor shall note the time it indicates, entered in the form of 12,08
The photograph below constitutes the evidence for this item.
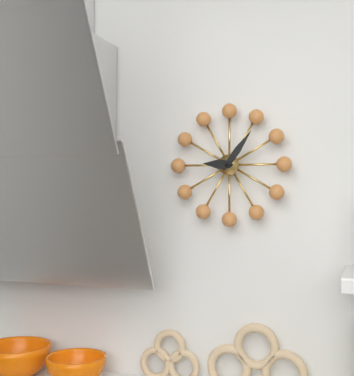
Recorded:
9,06
